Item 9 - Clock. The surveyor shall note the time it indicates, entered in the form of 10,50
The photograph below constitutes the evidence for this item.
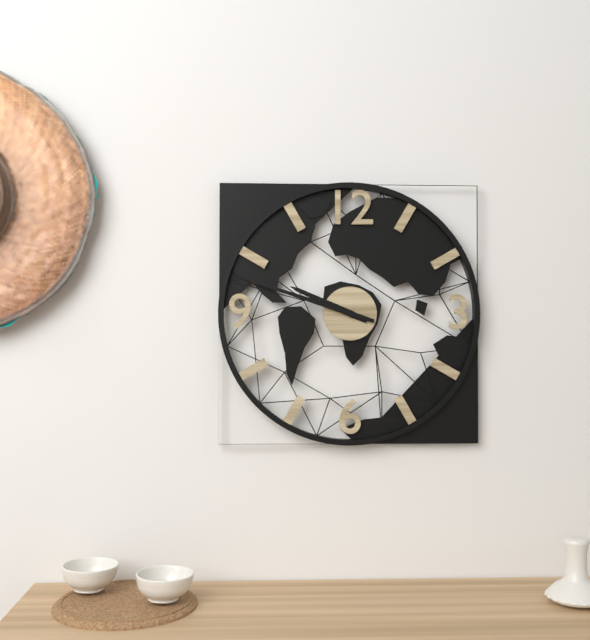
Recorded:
9,48
